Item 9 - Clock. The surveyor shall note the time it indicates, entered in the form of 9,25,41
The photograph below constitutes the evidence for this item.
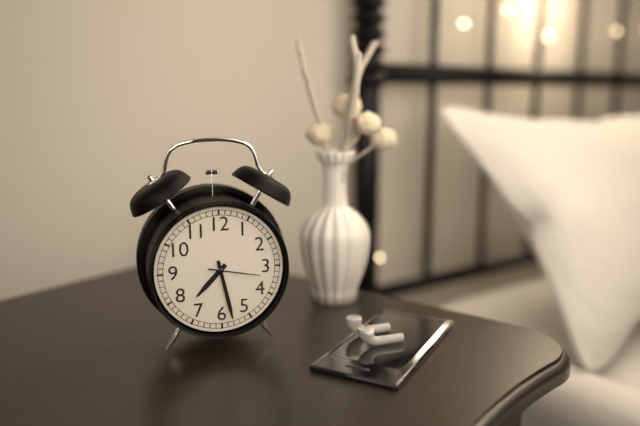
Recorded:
7,28,17
